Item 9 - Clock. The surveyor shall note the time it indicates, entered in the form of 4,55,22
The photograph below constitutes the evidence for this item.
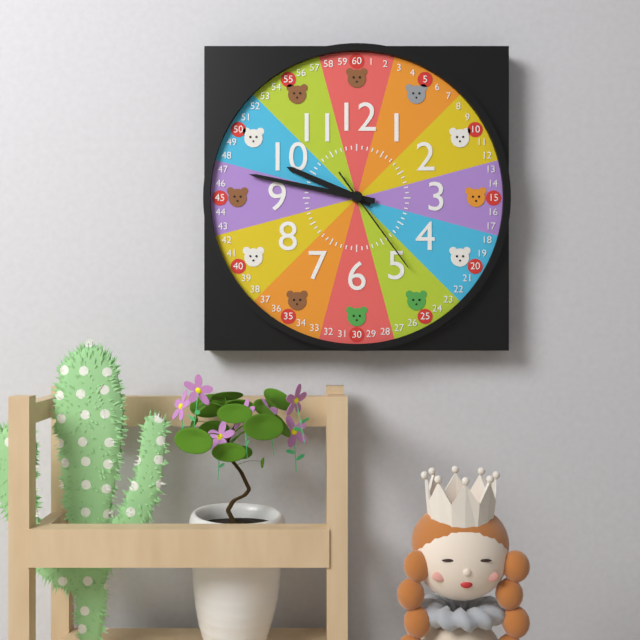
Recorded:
9,47,24
